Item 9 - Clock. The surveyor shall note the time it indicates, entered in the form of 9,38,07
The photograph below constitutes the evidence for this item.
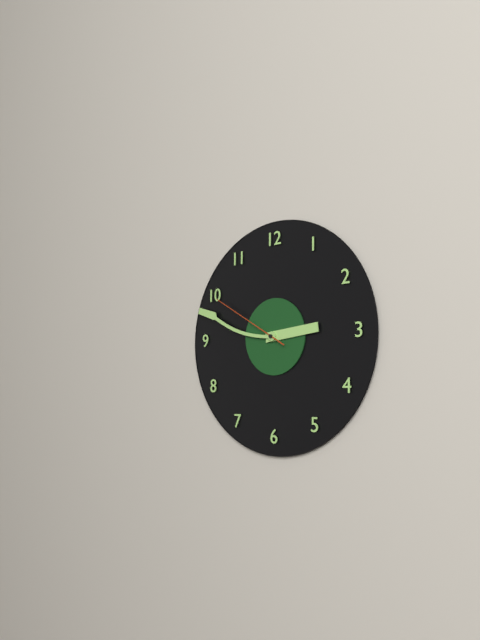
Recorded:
2,48,50
